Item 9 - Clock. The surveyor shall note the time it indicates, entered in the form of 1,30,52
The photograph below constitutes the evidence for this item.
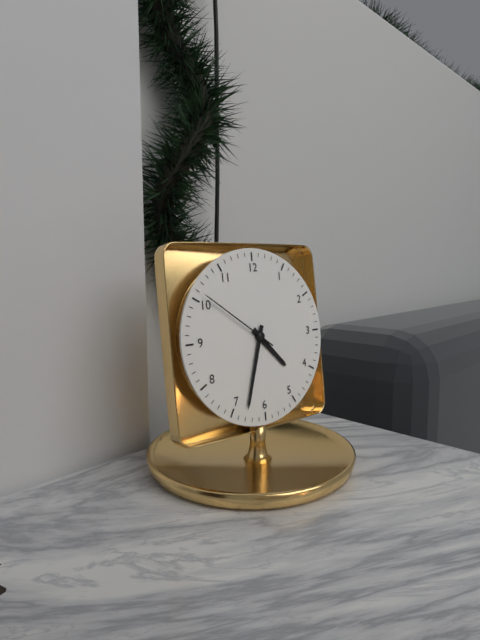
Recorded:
4,33,51
